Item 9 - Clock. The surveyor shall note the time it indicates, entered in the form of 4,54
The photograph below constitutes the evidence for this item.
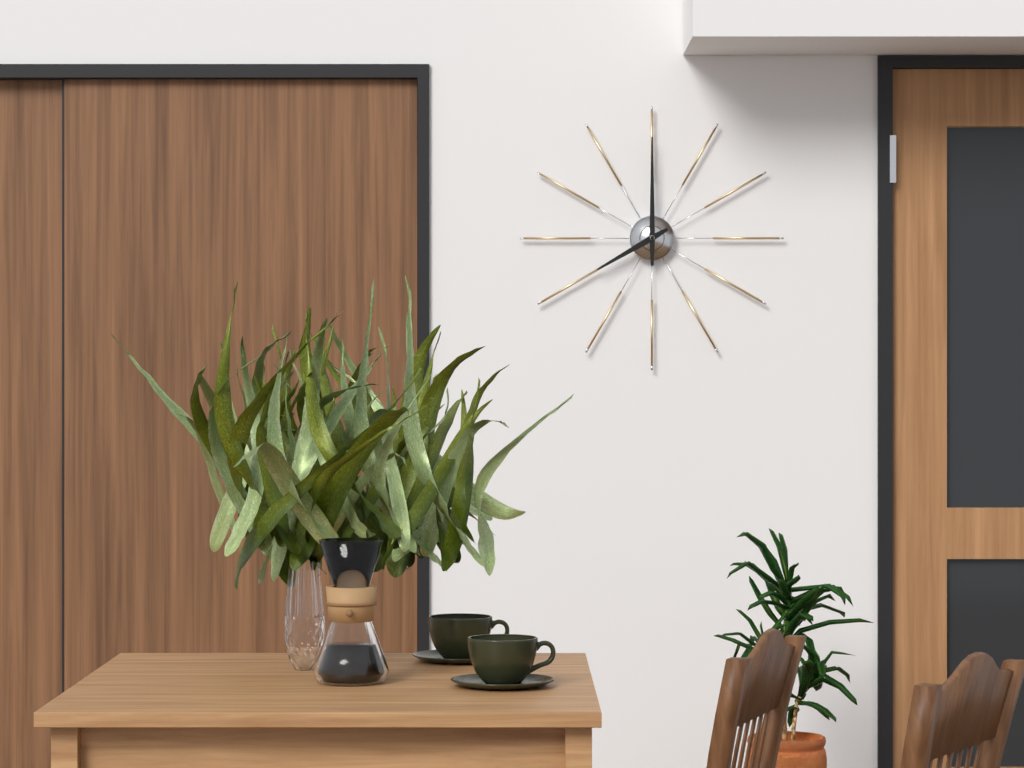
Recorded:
8,00
